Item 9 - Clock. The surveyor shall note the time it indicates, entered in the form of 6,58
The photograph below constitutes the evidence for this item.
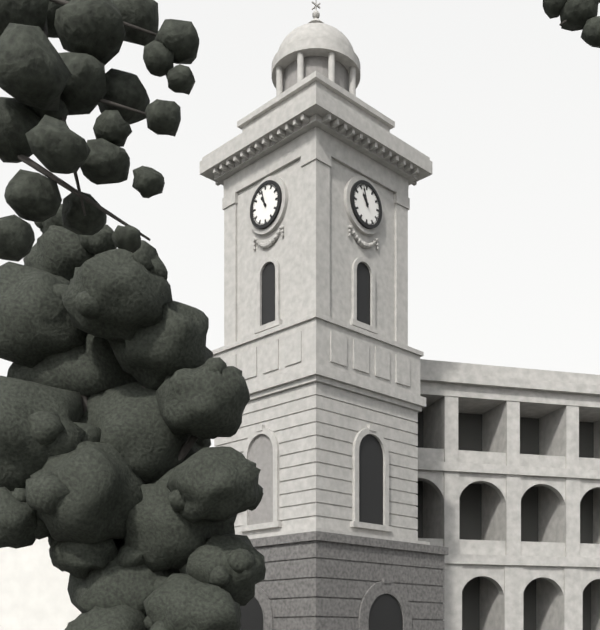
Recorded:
10,57
